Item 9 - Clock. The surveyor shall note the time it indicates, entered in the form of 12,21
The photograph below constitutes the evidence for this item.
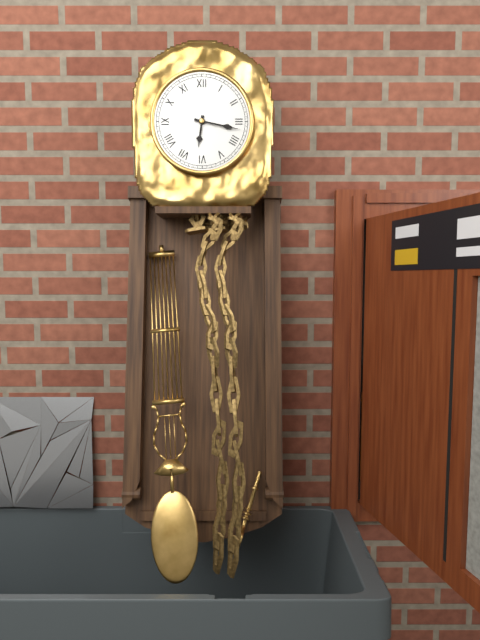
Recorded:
6,17
